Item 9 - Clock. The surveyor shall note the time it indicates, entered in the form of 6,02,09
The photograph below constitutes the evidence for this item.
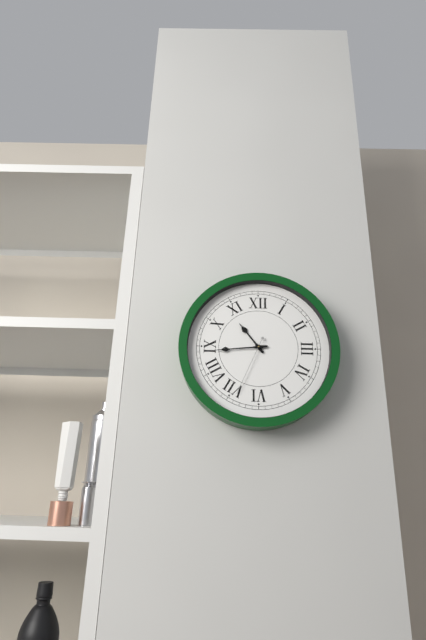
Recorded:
10,44,34
